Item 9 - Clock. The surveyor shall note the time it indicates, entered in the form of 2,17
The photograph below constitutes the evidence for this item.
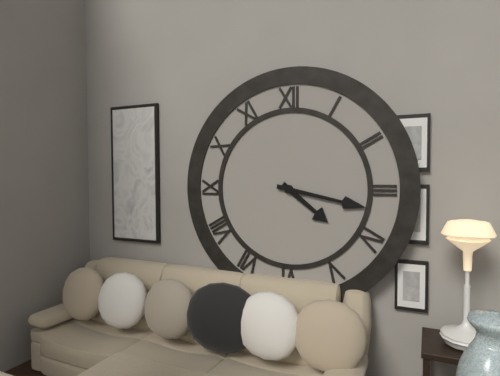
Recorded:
4,17
